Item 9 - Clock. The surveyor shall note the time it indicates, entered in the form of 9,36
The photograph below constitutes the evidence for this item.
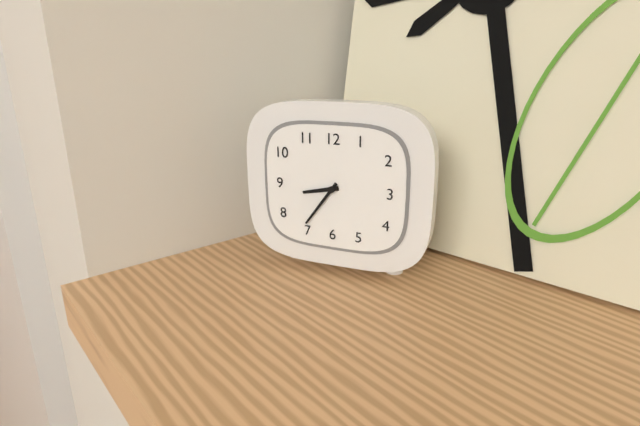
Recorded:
8,36
